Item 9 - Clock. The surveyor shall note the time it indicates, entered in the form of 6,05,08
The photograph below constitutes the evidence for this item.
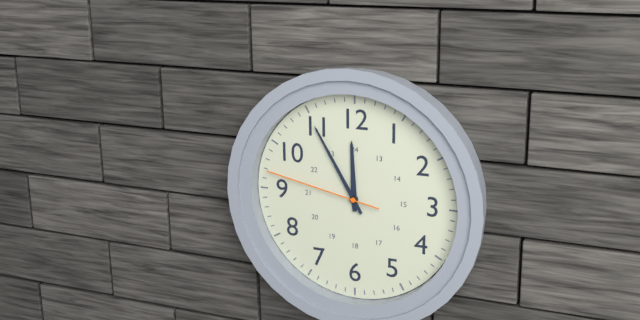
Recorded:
11,55,47
